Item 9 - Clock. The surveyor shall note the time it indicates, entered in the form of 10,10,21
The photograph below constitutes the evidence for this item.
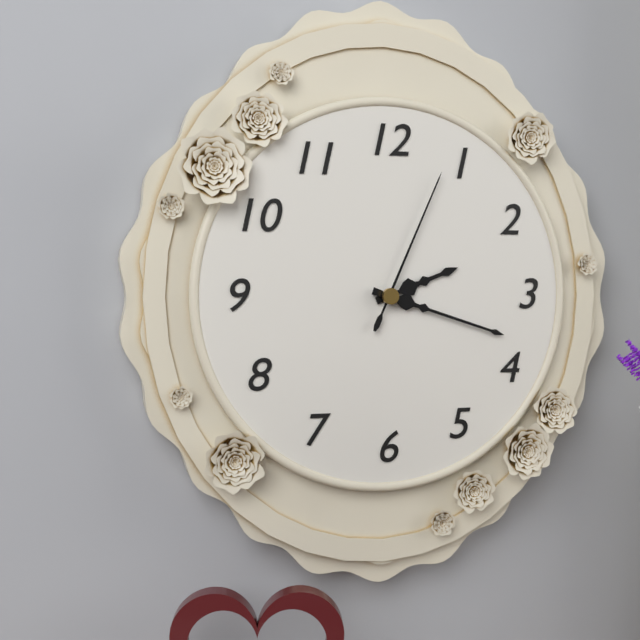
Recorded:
2,18,04
